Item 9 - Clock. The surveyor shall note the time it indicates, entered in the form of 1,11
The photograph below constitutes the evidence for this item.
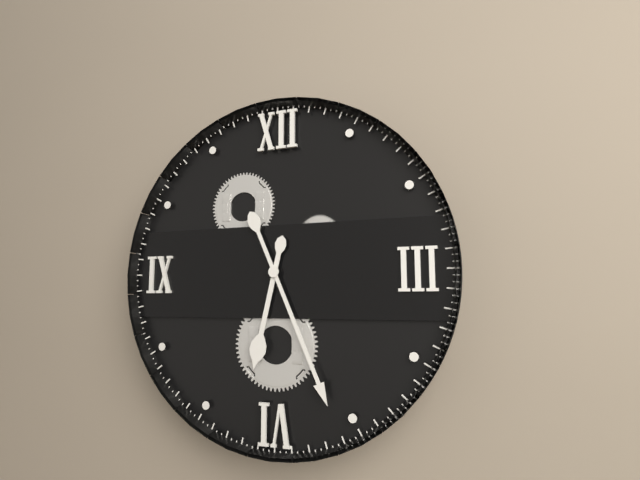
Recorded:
6,26
